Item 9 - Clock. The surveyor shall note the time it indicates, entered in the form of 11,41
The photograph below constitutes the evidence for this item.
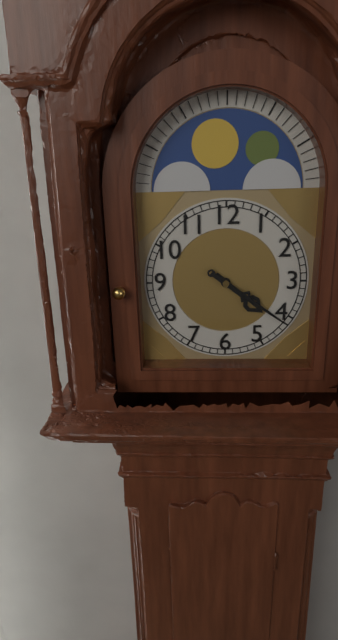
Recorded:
4,21
